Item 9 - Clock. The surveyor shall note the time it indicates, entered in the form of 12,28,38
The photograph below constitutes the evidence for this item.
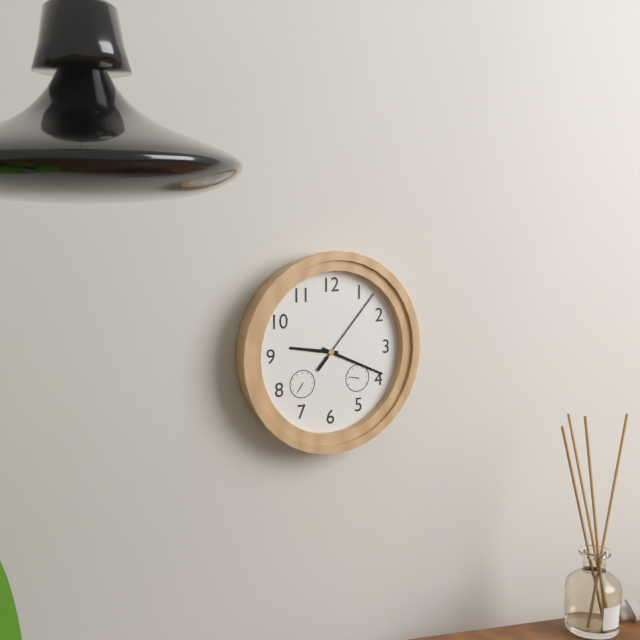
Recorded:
9,19,07
